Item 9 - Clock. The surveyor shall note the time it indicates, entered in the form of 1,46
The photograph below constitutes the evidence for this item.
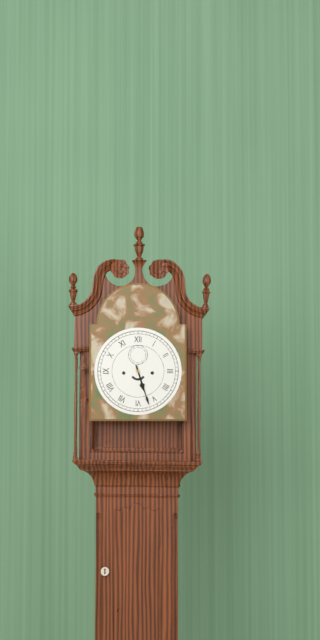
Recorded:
5,27
